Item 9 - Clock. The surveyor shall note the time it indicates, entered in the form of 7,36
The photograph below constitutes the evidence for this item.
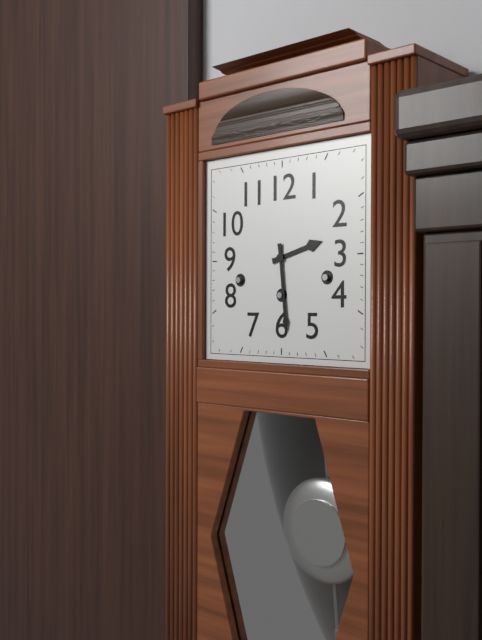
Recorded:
2,29
